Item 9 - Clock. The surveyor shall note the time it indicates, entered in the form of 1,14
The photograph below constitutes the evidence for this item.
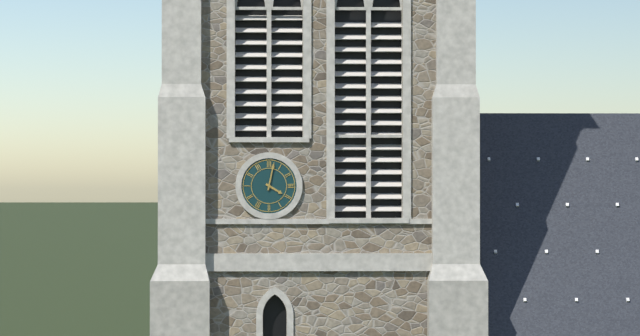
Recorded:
4,02
